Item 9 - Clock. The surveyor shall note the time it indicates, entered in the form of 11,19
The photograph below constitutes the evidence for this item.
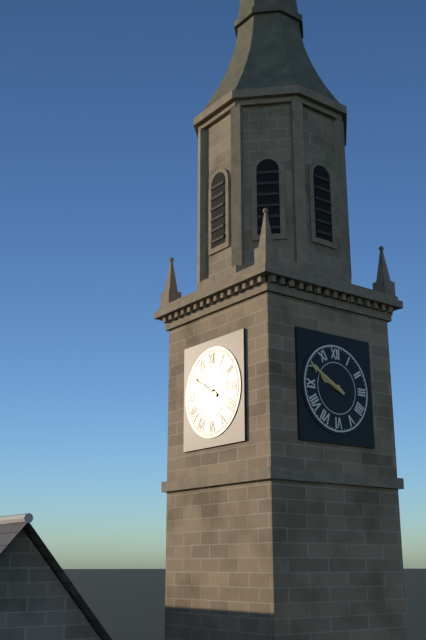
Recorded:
9,50
